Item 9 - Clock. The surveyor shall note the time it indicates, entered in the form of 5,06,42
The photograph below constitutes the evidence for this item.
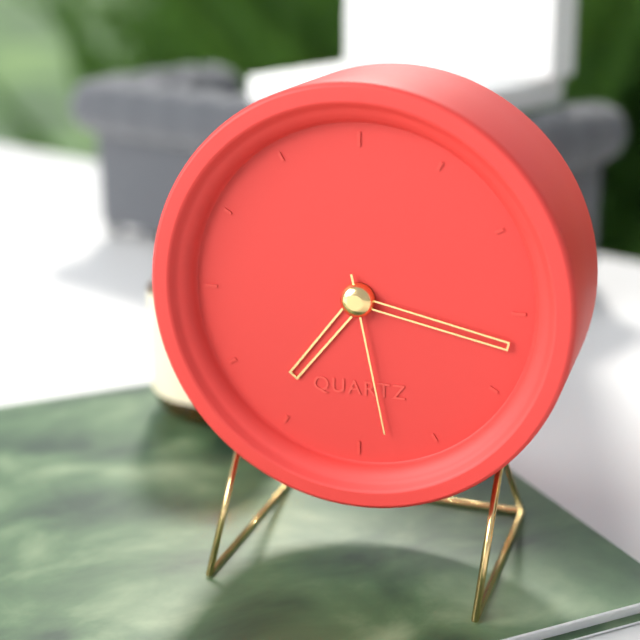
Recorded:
7,17,28
